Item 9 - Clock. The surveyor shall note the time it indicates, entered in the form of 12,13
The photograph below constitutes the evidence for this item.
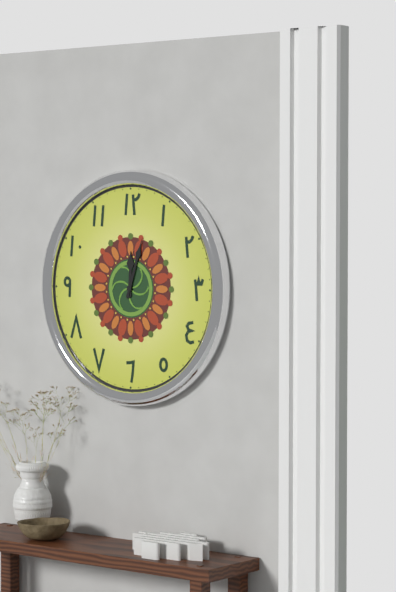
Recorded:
12,03
